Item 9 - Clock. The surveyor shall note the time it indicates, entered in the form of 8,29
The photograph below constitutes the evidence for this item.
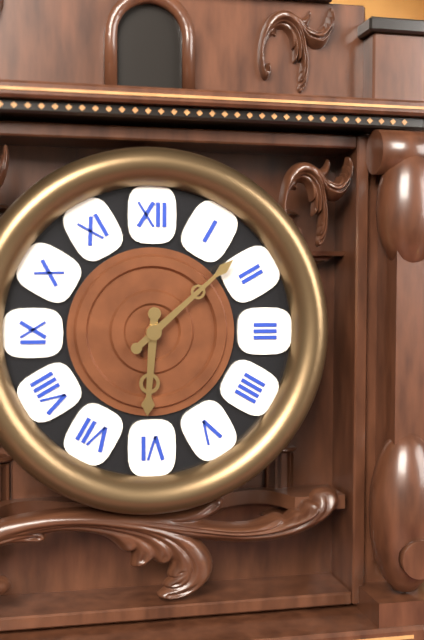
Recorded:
6,08
